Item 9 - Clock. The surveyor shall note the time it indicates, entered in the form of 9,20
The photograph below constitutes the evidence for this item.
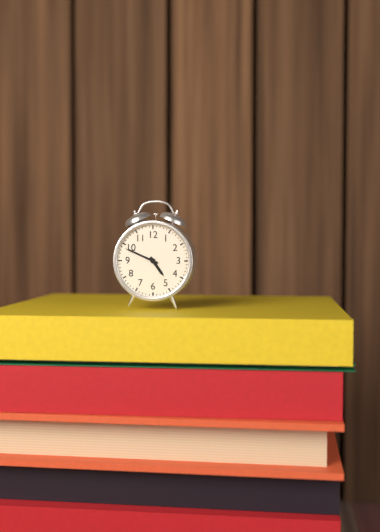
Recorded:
4,49
